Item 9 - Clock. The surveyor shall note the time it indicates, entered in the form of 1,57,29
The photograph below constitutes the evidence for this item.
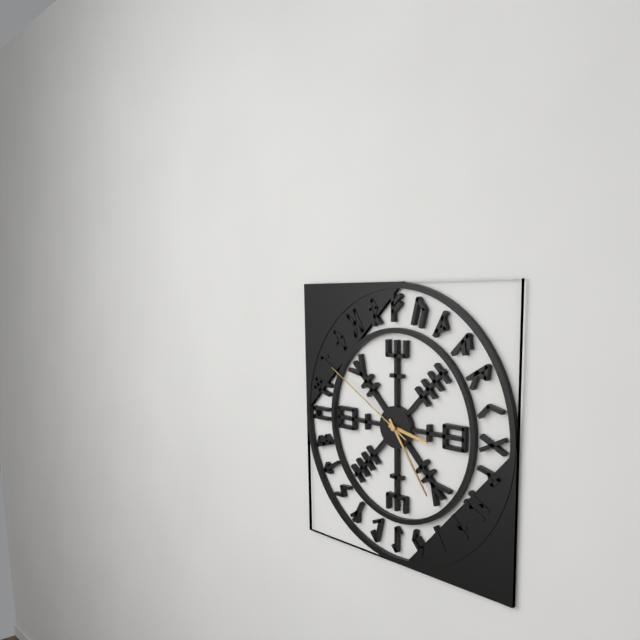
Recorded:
3,24,50
